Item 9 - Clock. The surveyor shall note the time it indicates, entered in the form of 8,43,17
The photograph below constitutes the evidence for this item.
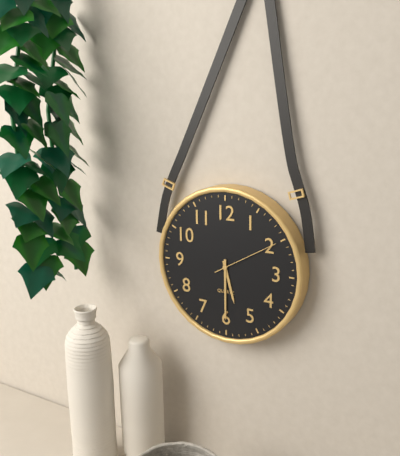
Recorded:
5,30,10
